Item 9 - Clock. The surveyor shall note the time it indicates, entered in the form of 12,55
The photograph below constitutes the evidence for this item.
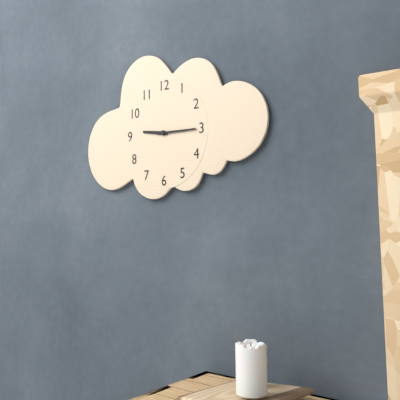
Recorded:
9,15
